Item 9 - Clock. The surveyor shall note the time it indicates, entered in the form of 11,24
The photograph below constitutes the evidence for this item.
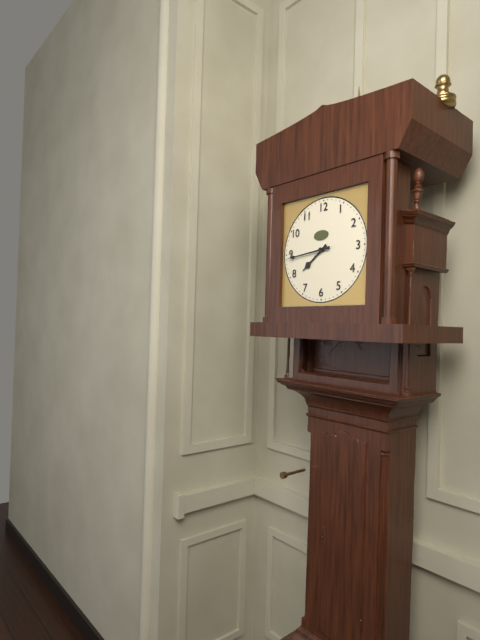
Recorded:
7,44
